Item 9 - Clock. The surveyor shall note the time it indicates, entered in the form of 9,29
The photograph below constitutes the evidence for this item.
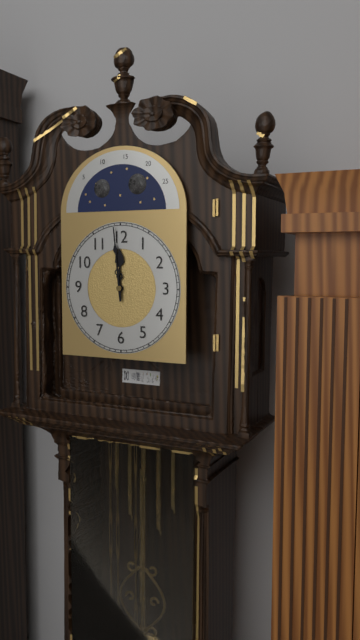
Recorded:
11,59
